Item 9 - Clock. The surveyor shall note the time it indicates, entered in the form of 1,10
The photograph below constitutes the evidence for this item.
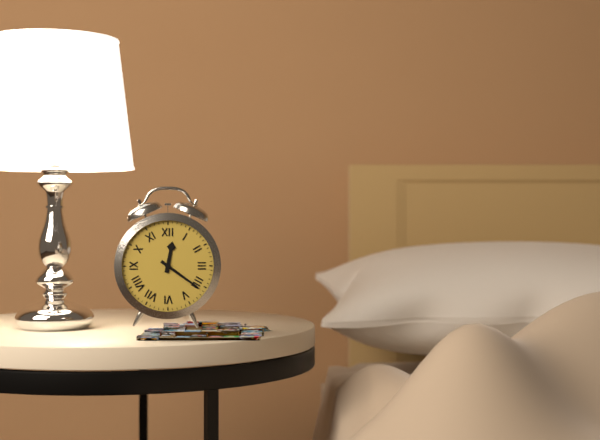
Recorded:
12,21
